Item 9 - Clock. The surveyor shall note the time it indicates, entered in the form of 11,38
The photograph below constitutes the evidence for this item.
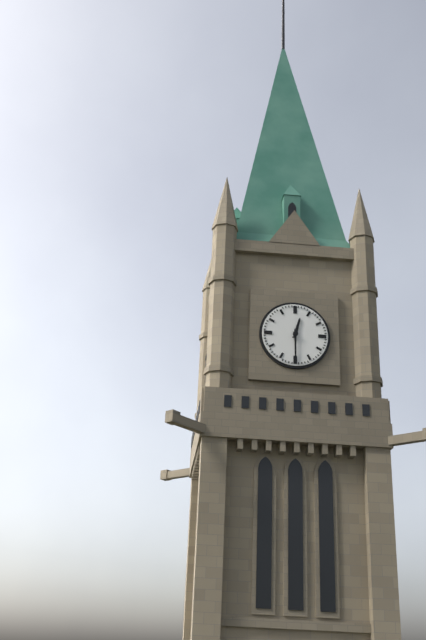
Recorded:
12,30
